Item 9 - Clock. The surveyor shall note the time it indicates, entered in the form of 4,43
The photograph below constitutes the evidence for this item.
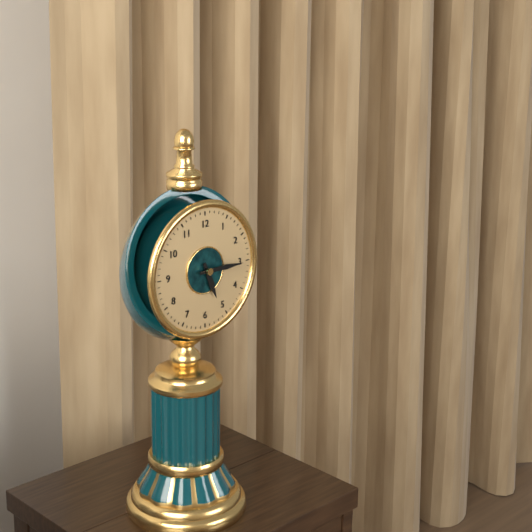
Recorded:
5,15
